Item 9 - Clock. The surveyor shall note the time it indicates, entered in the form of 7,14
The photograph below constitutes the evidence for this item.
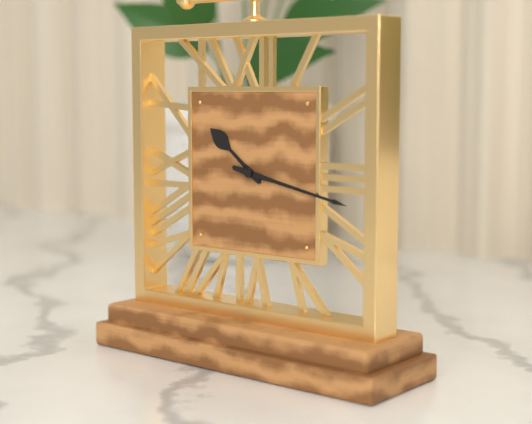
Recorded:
10,17
